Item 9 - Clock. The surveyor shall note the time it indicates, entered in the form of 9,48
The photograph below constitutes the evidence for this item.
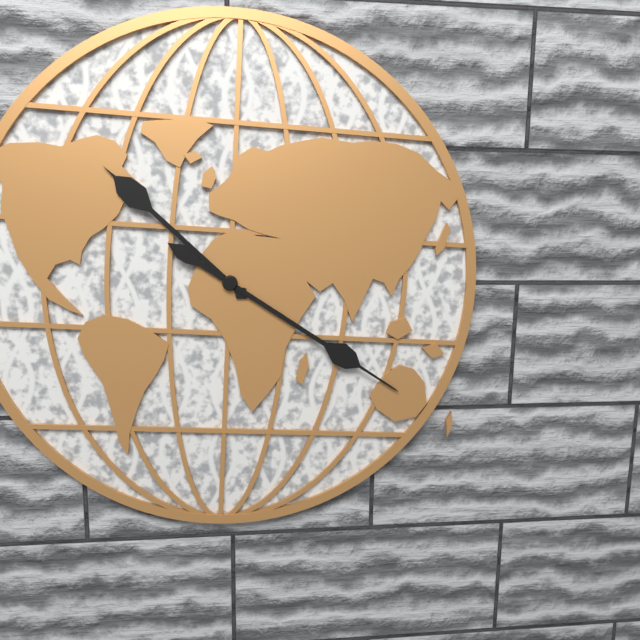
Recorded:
10,20
